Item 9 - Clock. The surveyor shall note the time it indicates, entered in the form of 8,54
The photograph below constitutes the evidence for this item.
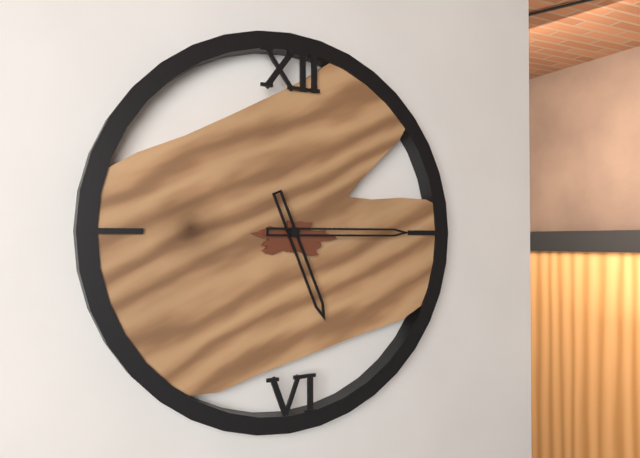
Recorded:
5,15
